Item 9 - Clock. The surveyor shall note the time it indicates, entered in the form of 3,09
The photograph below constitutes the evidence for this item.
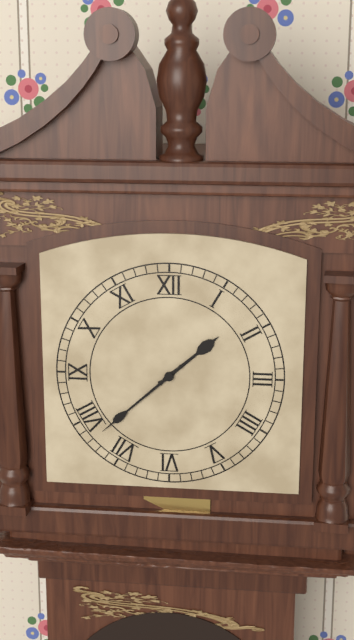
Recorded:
1,38
